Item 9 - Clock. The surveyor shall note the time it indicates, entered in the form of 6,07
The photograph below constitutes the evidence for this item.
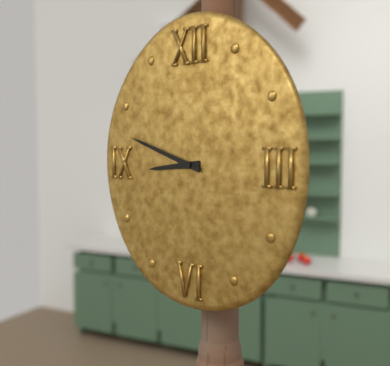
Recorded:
8,48
